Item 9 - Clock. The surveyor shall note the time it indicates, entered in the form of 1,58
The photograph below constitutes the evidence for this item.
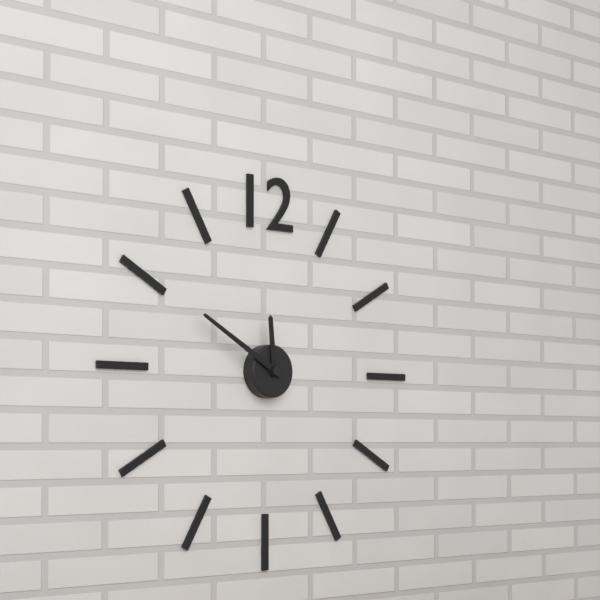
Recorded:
11,50
